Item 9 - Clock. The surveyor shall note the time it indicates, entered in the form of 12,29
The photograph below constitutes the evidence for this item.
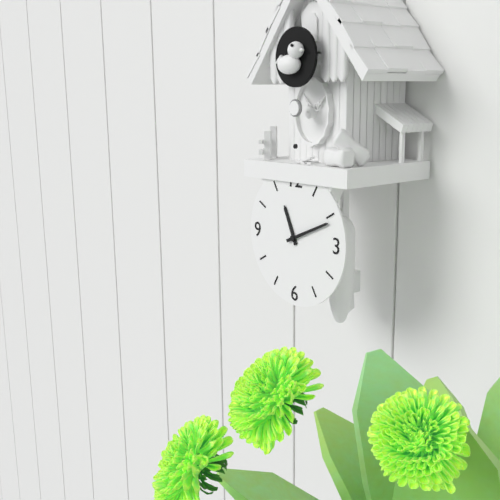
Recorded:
11,11
